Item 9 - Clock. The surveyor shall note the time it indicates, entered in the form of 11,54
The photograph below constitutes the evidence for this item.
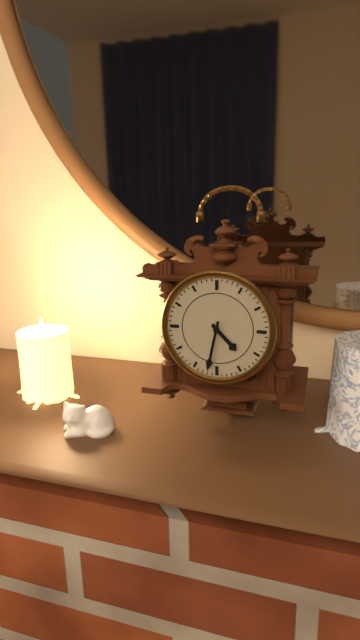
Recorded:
4,32
